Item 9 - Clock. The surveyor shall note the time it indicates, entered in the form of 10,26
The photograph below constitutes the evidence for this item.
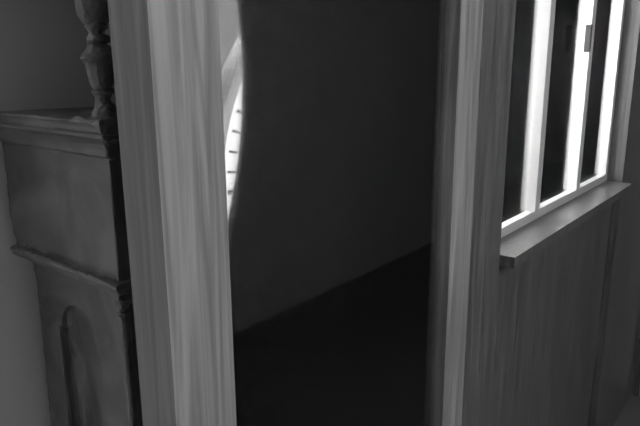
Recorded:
7,38
